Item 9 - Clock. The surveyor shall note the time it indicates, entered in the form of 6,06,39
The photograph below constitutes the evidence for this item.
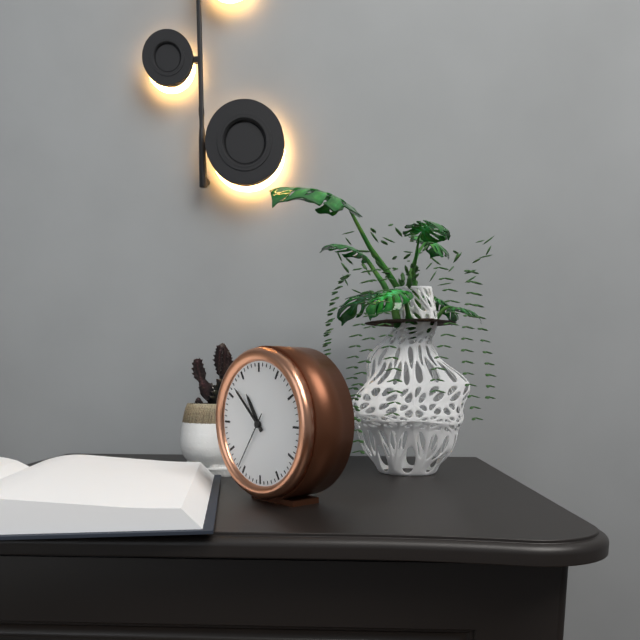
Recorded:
10,52,36
